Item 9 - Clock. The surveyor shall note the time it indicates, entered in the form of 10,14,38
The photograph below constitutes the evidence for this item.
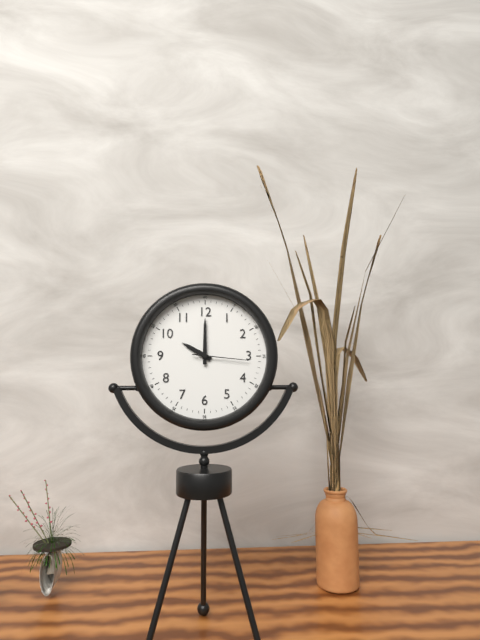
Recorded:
10,00,16
